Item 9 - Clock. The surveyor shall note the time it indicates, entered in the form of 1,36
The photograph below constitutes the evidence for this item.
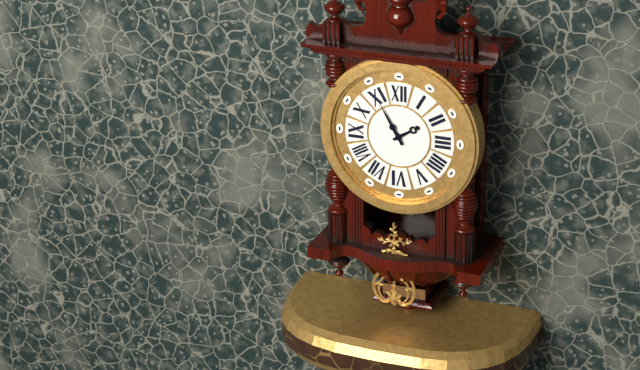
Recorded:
1,55
